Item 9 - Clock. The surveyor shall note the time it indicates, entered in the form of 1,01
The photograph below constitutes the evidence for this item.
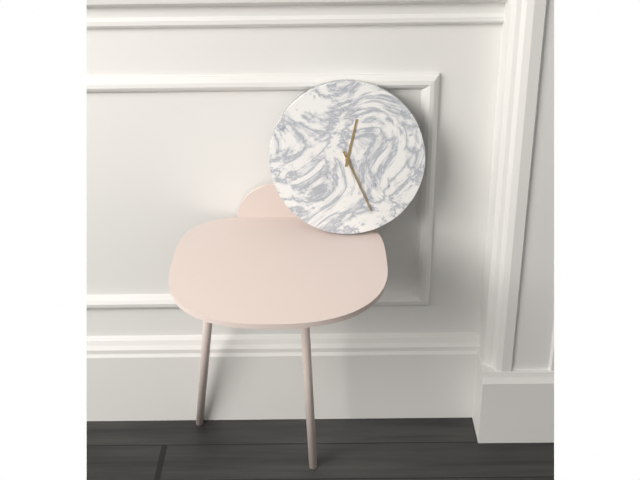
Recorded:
12,26
